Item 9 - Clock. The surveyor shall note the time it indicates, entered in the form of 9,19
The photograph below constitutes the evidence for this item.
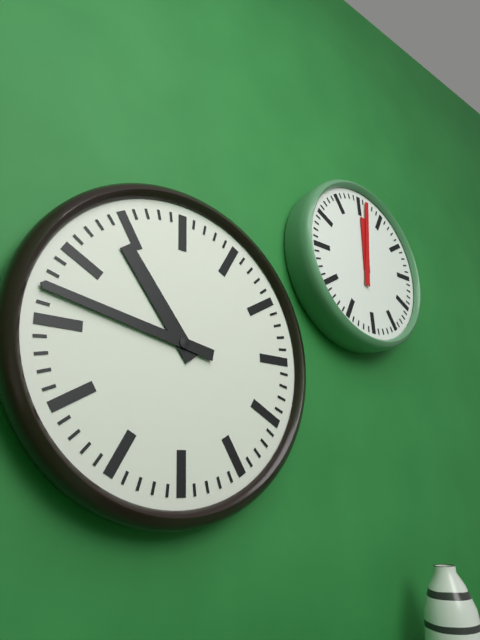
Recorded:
10,47
